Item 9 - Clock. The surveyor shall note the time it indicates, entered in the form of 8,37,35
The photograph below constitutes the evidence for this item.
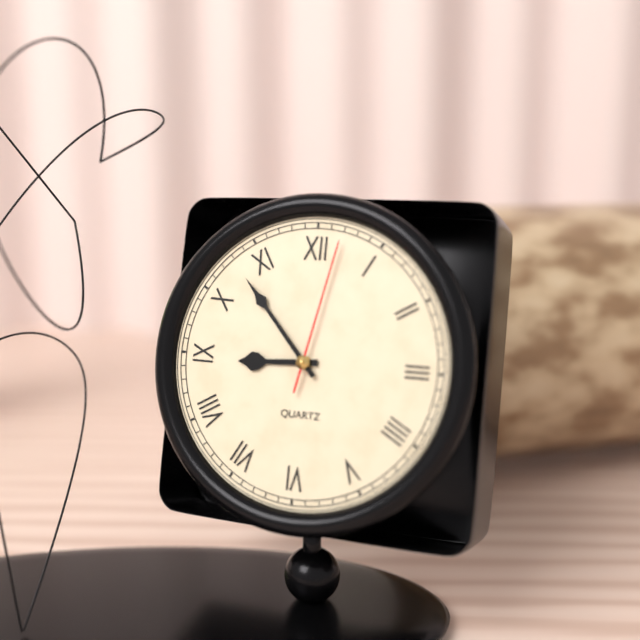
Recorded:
8,53,02
